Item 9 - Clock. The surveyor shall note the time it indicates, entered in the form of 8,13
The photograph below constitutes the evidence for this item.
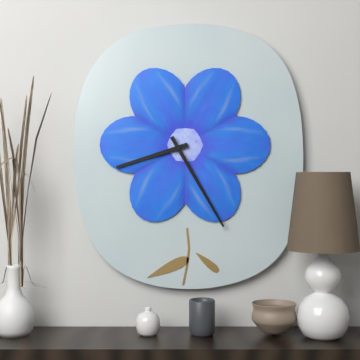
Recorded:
8,25
